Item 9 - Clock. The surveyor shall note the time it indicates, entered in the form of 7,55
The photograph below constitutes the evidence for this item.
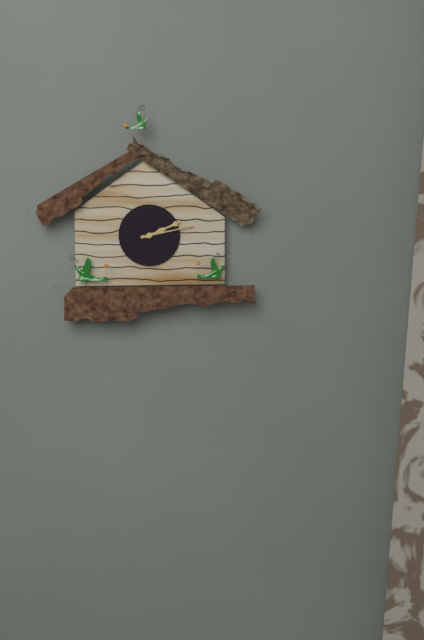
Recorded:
2,13
